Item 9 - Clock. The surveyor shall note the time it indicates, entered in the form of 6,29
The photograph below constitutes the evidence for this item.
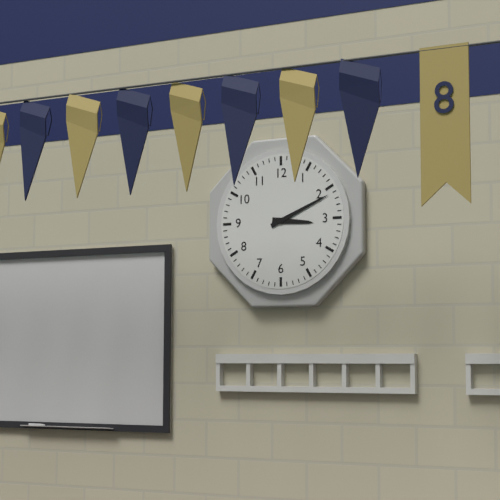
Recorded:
3,11
